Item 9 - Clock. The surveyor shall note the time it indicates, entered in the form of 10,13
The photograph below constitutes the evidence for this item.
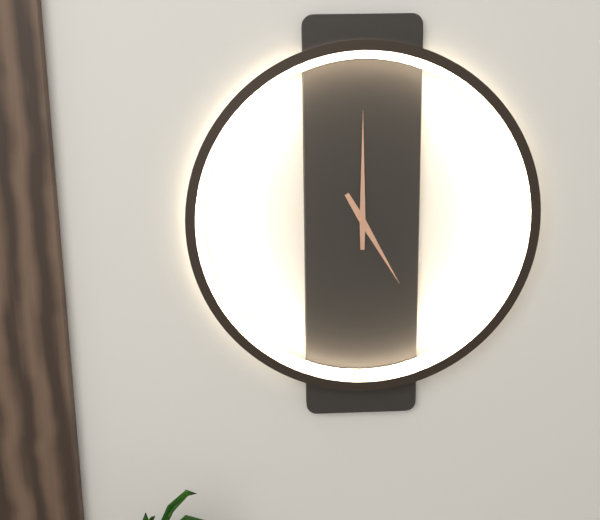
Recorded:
5,00
